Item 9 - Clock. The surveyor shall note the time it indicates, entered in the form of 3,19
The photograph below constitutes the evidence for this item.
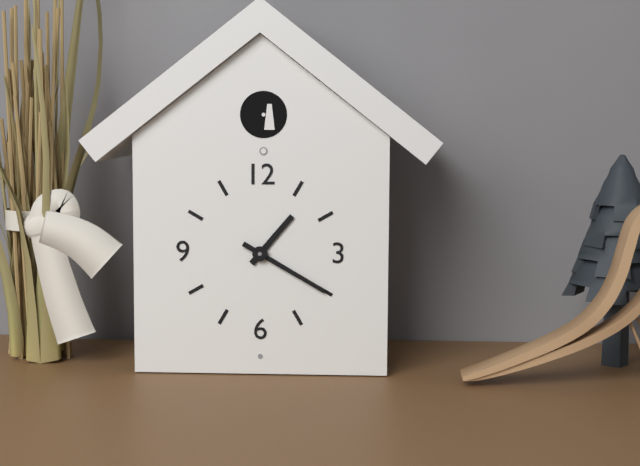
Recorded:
1,20
